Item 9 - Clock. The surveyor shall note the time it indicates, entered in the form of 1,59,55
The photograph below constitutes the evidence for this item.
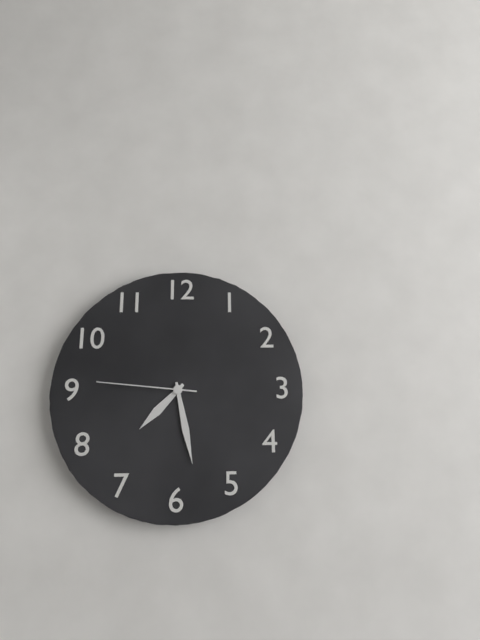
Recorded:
7,28,46
